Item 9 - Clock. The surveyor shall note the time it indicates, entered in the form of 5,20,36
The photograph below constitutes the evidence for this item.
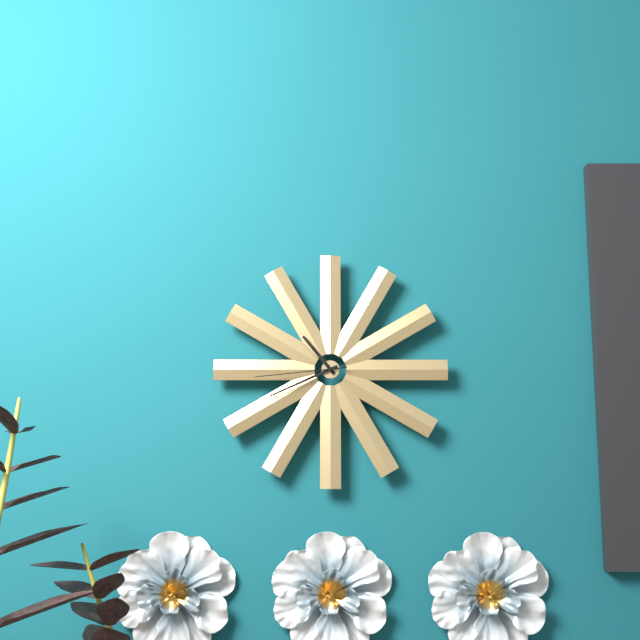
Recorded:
10,41,44
